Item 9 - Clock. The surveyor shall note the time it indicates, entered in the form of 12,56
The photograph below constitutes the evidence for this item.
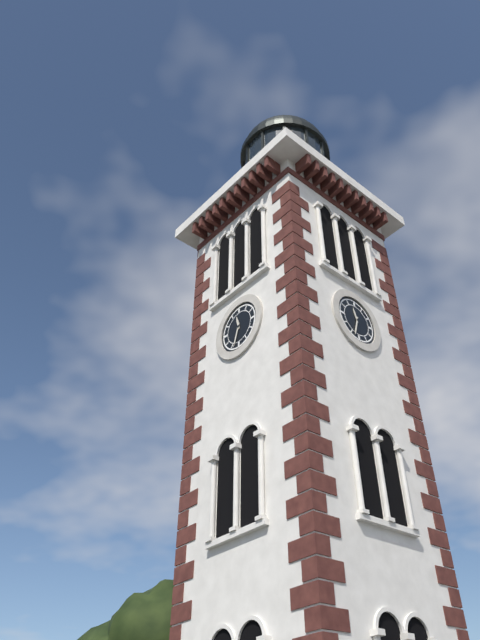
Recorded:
11,33
